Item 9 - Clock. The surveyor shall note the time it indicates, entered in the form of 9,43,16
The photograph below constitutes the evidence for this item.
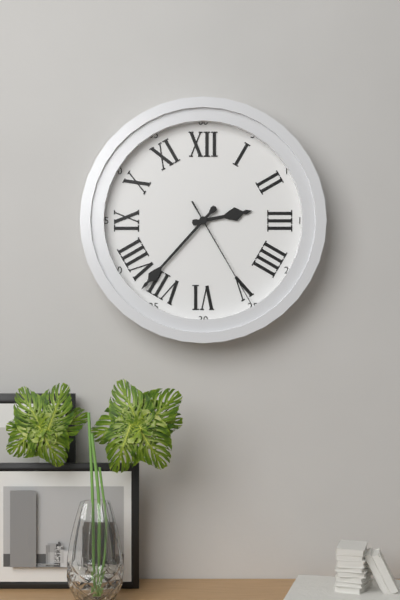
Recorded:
2,37,25
